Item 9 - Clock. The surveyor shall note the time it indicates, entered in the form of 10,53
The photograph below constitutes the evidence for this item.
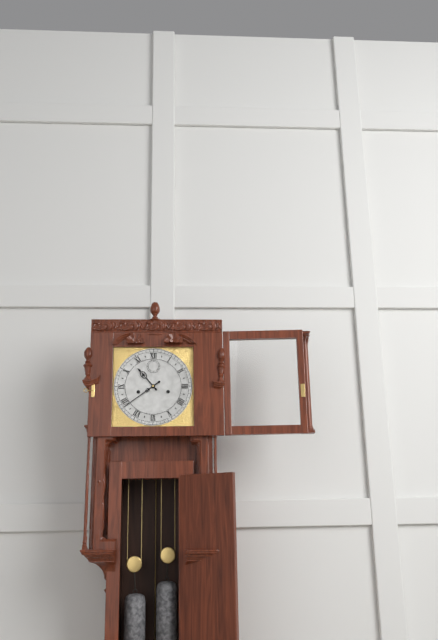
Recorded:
10,39
